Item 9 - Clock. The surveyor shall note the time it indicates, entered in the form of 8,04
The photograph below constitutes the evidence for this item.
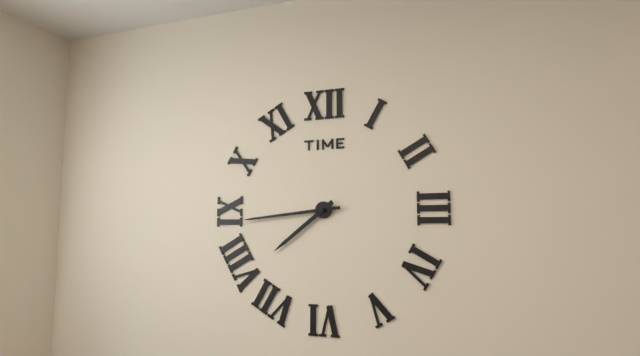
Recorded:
7,44
